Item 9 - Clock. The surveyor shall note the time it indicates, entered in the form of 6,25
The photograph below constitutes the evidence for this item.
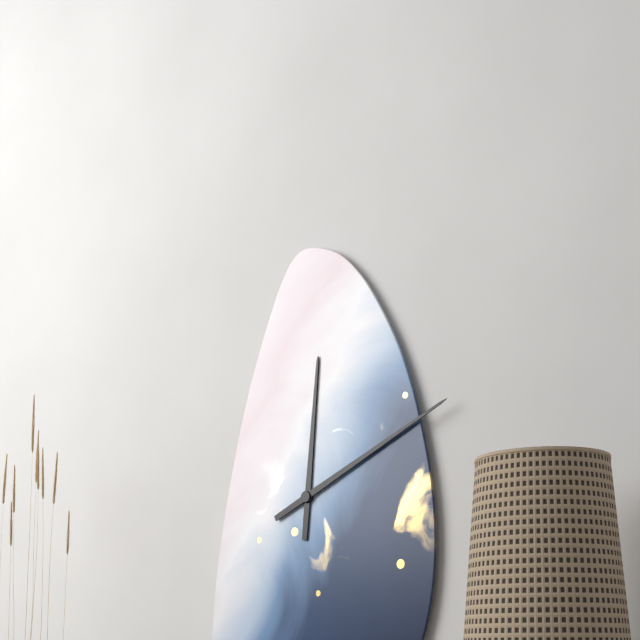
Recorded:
12,11
